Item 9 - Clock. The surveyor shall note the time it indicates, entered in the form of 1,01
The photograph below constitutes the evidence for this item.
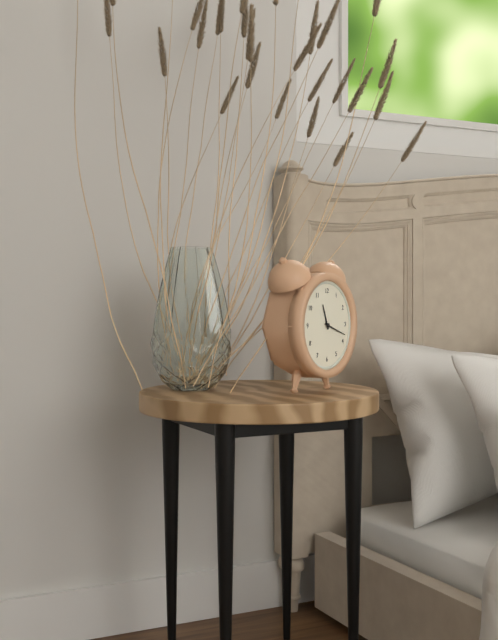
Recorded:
11,18
